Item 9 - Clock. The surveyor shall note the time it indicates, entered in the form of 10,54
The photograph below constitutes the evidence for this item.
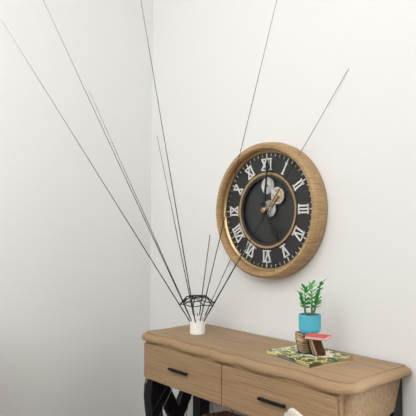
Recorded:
5,01
